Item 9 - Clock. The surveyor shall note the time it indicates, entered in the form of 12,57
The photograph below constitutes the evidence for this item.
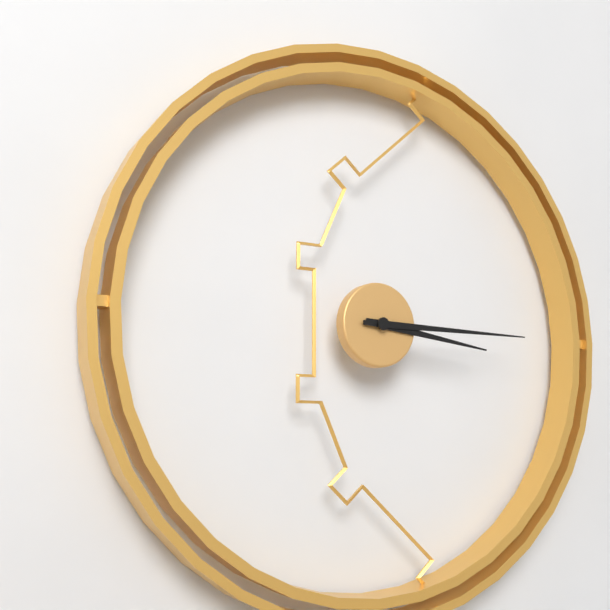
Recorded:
3,15
